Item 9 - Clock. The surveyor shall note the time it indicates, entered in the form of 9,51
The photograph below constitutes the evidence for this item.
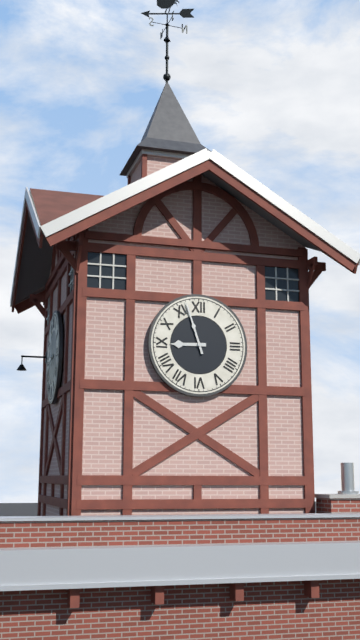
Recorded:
8,57
